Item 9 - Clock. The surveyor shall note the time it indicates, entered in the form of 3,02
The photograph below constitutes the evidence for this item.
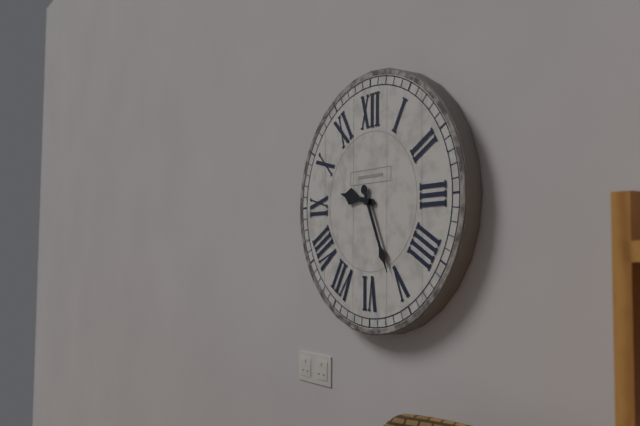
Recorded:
9,26
